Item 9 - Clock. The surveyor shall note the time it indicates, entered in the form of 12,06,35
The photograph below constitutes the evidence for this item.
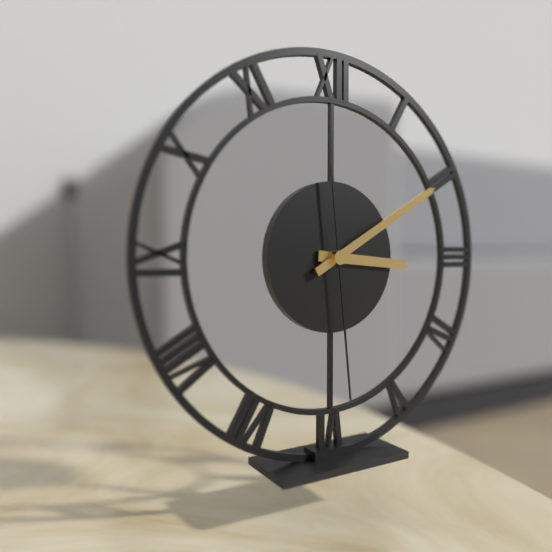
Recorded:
3,10,29
